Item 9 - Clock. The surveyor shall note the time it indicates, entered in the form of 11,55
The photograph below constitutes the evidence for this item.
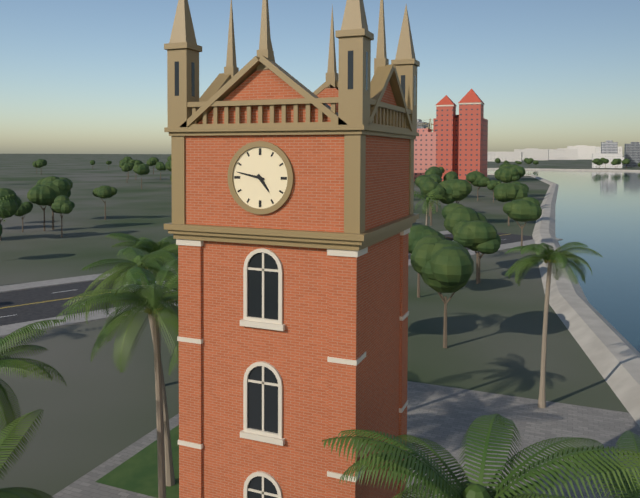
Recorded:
4,47
